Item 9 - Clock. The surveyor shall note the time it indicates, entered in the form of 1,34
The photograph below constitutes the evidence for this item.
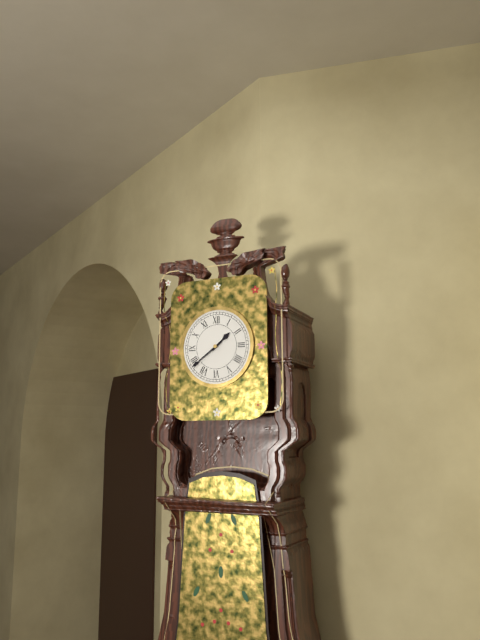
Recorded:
1,39
